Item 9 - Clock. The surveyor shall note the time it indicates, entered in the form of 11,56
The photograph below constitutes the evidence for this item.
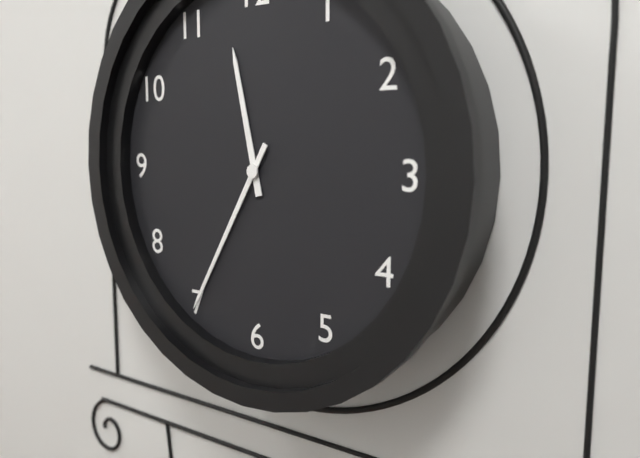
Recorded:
11,35
